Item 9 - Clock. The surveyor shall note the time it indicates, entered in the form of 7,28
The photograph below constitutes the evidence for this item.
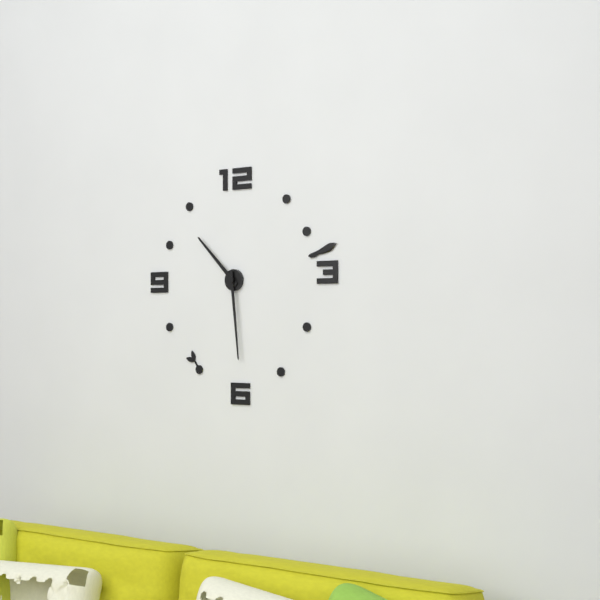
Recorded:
10,29
